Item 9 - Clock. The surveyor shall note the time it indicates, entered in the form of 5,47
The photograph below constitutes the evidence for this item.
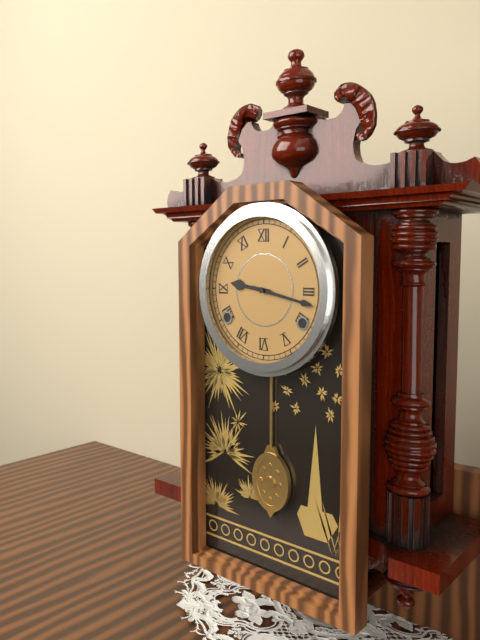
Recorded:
9,17
